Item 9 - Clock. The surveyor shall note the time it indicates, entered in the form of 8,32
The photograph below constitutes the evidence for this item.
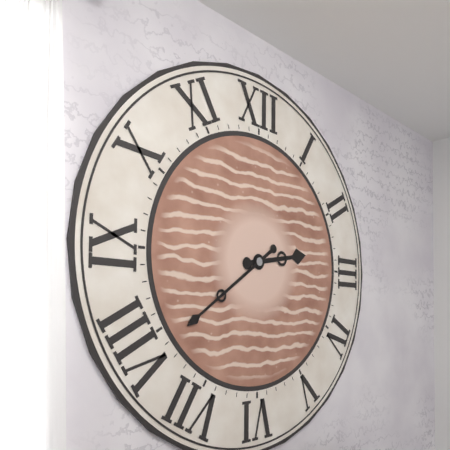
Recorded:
2,39
